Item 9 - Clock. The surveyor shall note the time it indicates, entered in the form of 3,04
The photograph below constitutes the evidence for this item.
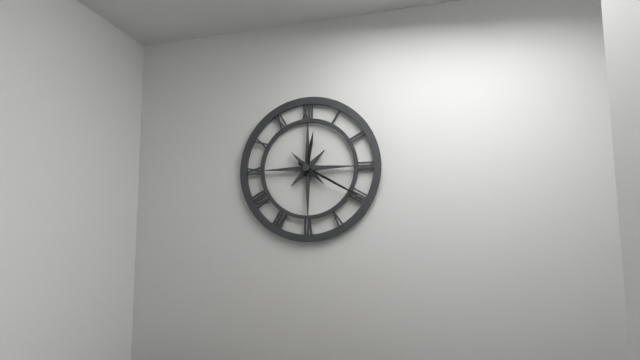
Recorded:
12,20
